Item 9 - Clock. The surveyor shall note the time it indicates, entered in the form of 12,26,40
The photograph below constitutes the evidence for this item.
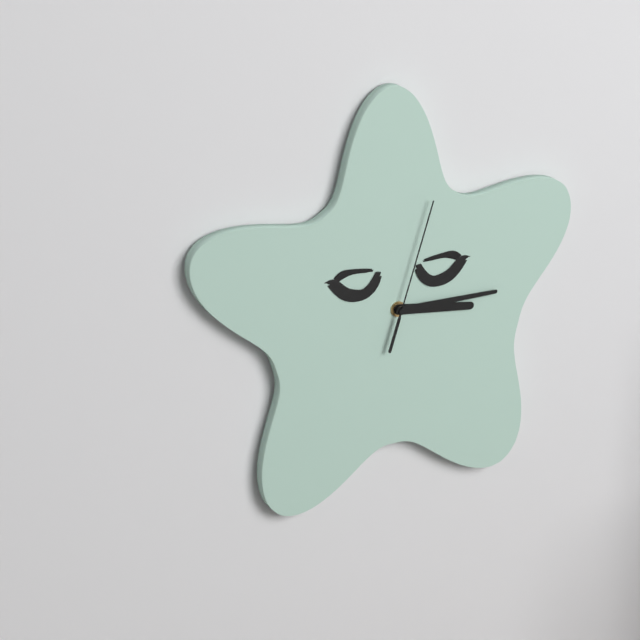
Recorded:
3,15,03
